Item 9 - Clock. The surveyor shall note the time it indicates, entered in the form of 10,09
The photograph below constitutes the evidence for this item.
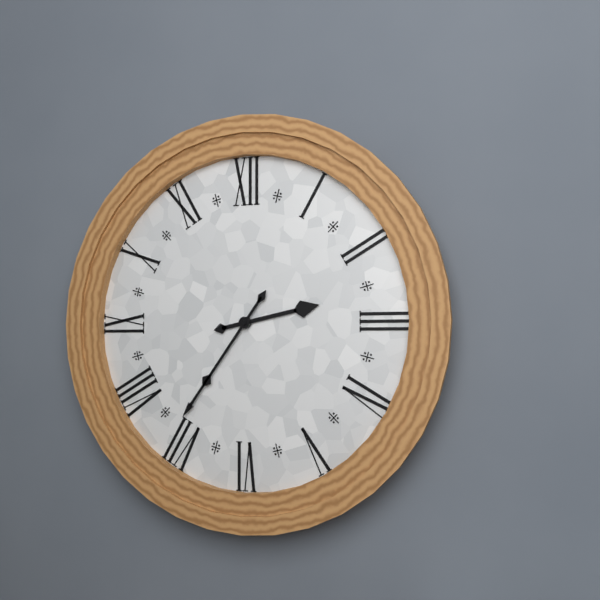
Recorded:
2,36
